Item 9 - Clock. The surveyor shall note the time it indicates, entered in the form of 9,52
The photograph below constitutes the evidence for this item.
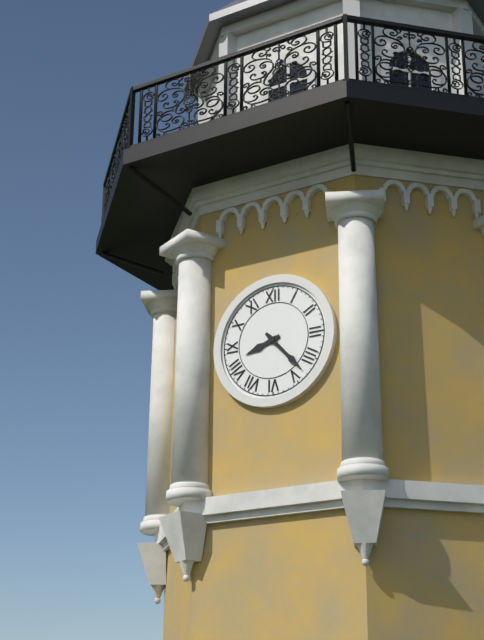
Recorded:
8,23
